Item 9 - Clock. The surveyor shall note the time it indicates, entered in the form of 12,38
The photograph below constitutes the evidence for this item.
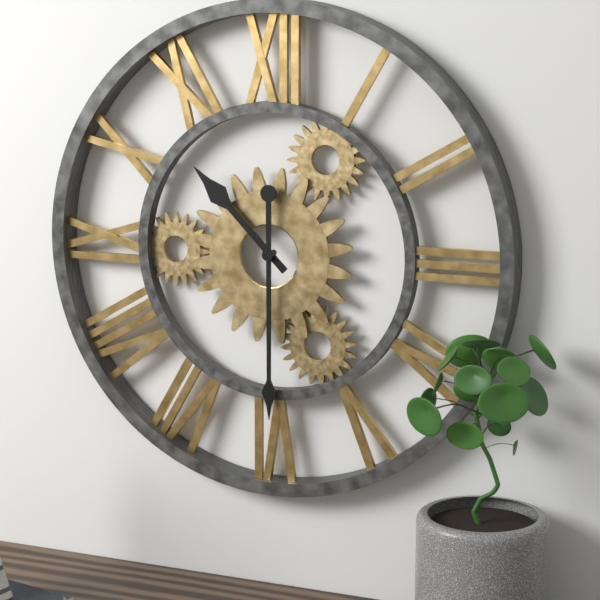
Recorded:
10,30
